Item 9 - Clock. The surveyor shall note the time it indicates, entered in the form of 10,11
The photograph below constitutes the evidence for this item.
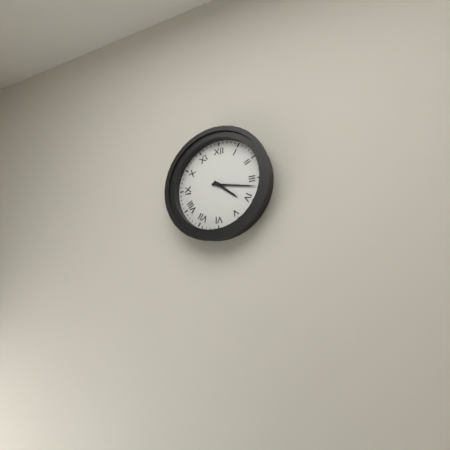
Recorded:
4,17
